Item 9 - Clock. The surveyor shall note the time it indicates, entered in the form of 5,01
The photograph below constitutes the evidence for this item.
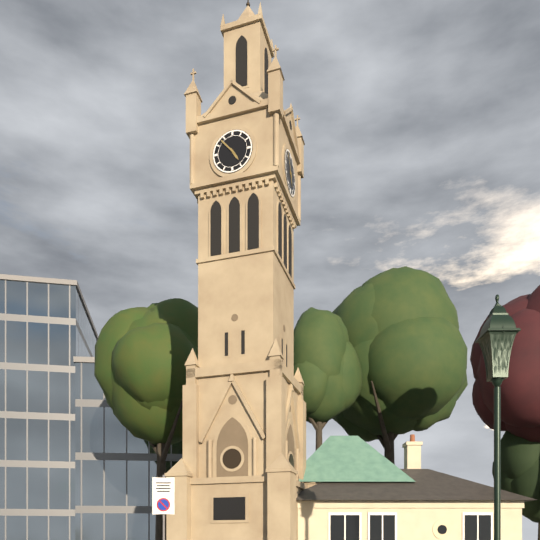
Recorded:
4,53
